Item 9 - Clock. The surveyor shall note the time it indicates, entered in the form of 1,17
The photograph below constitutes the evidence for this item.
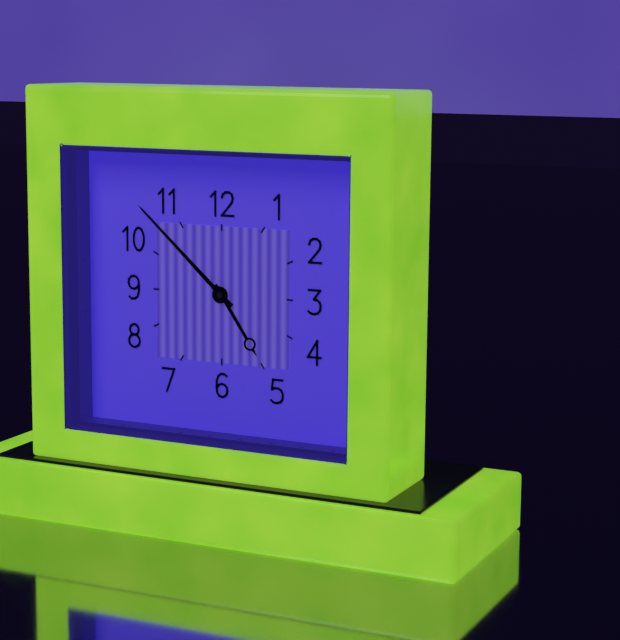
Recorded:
4,52
